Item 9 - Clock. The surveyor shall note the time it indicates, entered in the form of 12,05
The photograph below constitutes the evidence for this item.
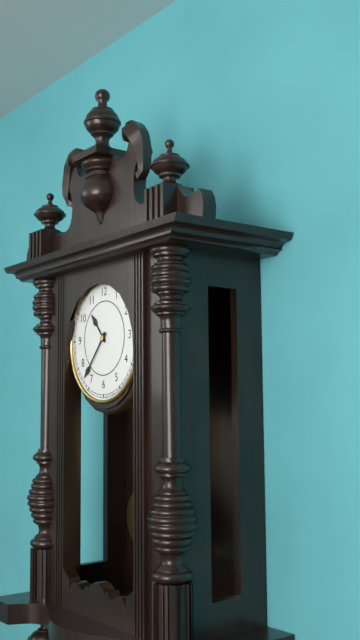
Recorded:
10,37
